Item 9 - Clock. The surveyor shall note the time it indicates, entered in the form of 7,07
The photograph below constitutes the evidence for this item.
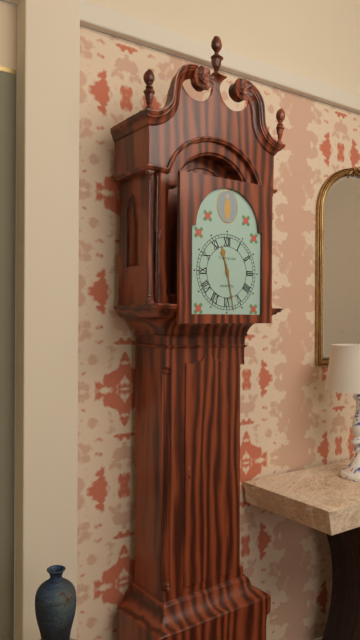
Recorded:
11,28
